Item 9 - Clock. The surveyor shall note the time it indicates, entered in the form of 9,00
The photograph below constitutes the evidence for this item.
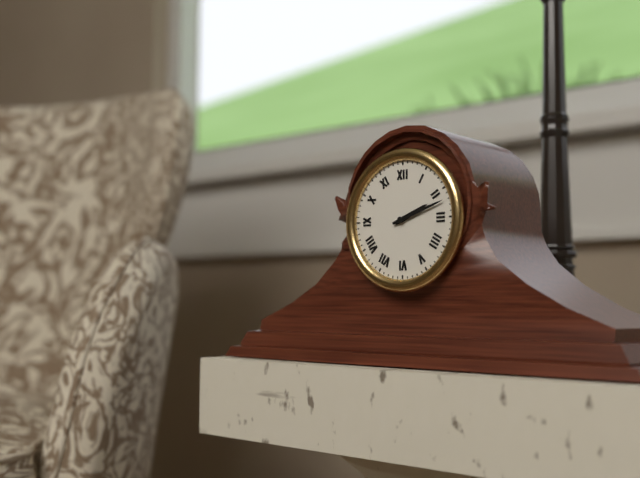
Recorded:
2,12
